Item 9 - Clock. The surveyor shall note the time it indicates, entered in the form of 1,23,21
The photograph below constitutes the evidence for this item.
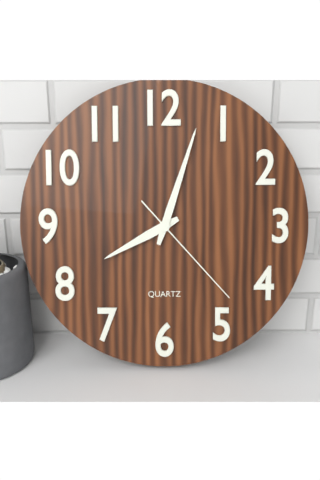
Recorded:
8,03,23
